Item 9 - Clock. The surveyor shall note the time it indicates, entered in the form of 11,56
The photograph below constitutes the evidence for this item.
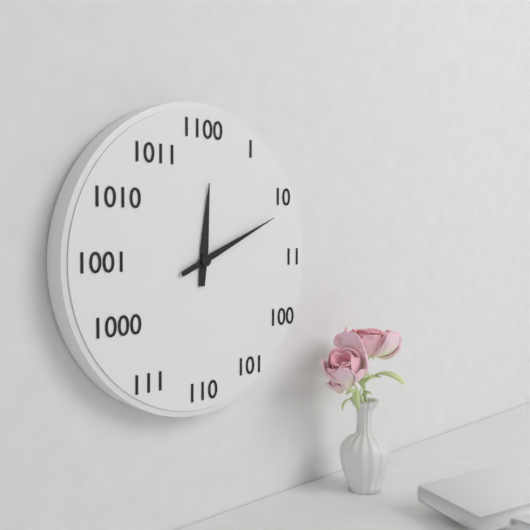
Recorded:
12,11
